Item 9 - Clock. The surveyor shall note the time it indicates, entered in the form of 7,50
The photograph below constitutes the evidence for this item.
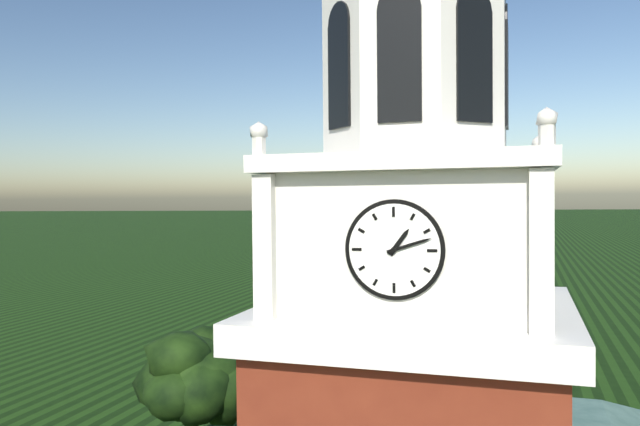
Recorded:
1,12
